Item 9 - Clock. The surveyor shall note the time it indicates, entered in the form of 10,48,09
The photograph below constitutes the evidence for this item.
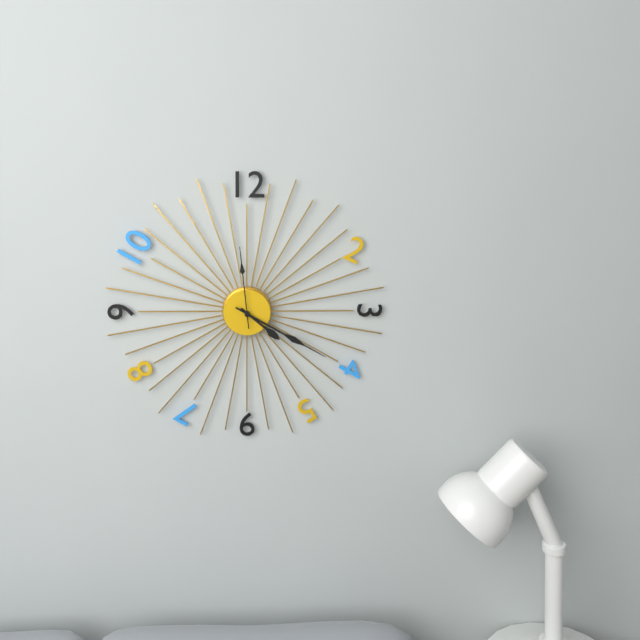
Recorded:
4,20,59
